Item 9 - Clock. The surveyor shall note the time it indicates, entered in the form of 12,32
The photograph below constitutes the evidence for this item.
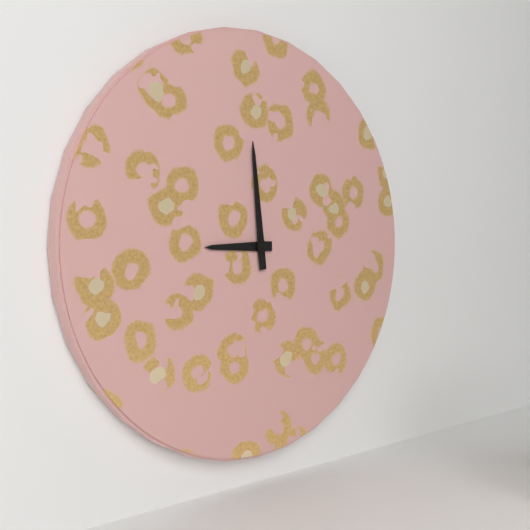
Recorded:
8,59
